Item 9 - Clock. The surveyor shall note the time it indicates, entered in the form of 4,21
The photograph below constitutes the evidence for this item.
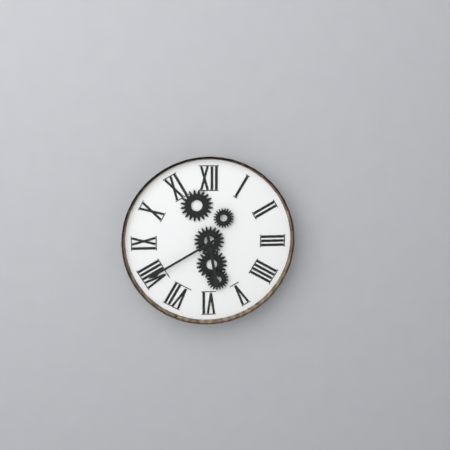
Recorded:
5,40
